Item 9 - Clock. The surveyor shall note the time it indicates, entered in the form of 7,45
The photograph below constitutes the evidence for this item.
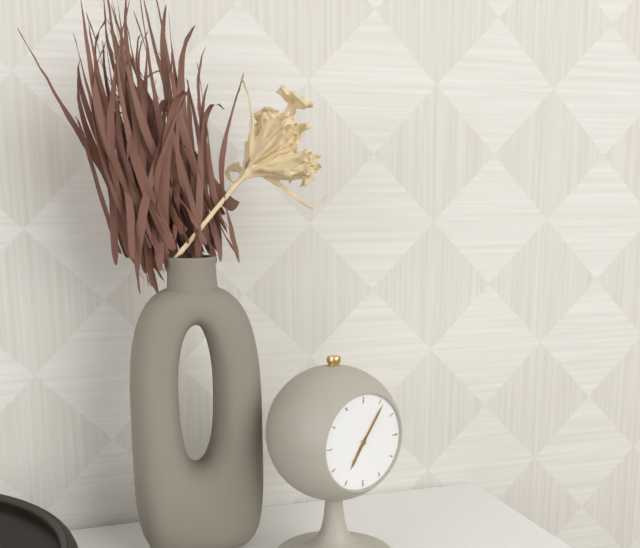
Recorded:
7,06
